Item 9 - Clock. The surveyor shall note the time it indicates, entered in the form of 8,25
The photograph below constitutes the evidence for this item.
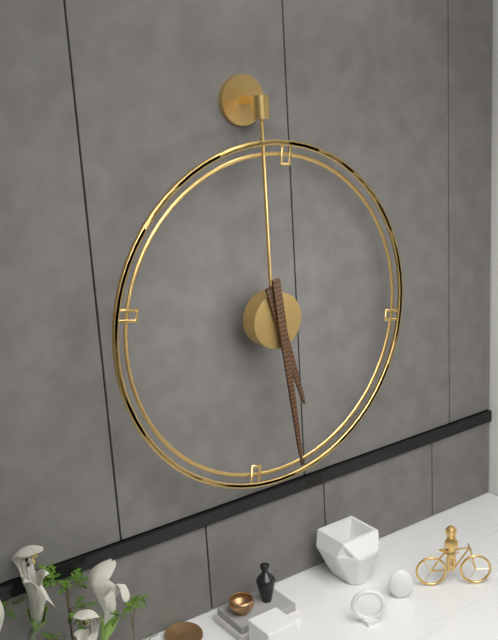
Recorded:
5,29
